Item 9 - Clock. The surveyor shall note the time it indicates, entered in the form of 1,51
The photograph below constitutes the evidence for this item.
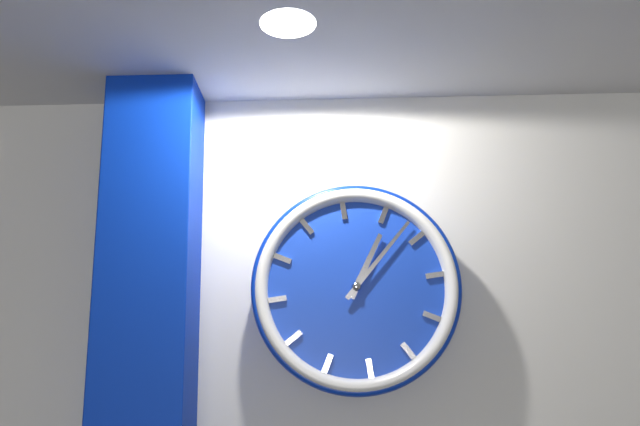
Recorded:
1,08
